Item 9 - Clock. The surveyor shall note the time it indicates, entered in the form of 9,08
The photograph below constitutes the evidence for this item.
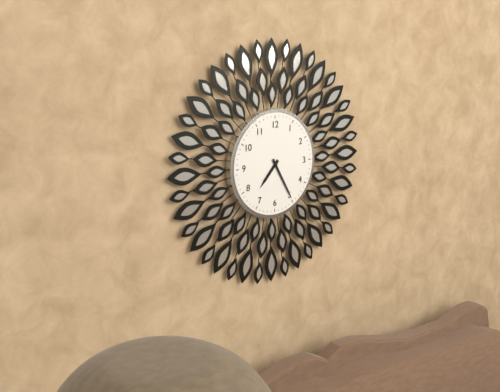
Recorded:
7,25
